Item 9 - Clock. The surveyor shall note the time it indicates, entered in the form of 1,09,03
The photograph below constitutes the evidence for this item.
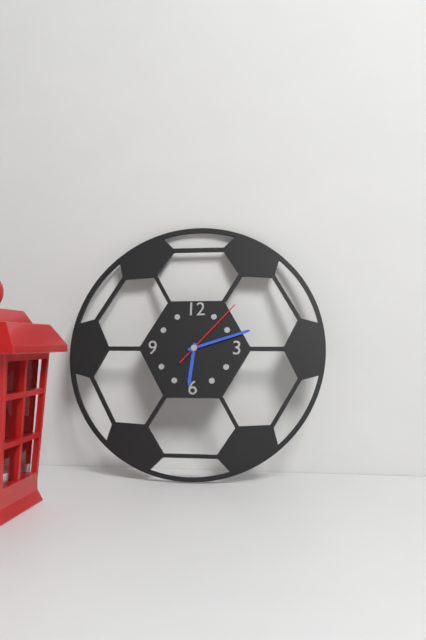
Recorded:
6,12,07
